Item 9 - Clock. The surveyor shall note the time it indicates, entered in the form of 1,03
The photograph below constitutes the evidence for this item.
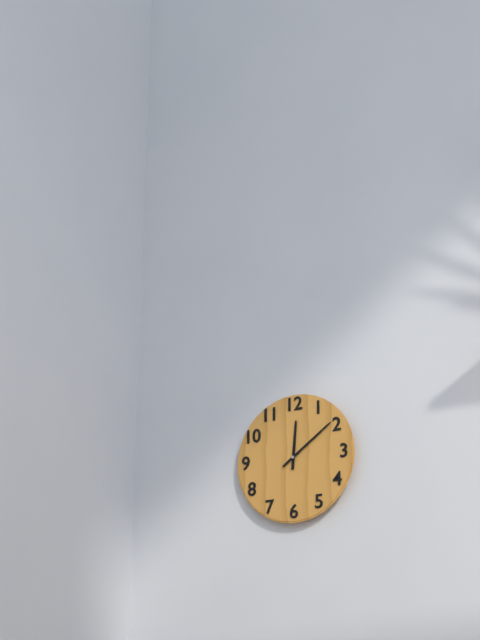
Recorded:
12,09
